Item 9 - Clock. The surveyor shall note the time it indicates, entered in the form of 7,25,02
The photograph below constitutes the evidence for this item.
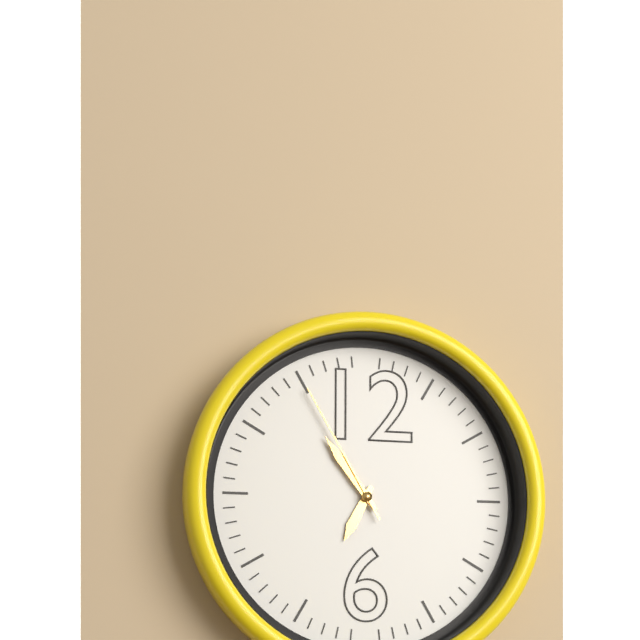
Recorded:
6,54,55
